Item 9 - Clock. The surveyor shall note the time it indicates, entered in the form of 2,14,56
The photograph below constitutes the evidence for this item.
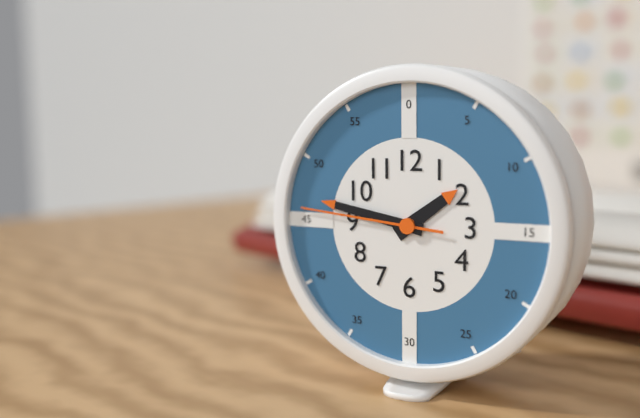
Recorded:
1,47,46
